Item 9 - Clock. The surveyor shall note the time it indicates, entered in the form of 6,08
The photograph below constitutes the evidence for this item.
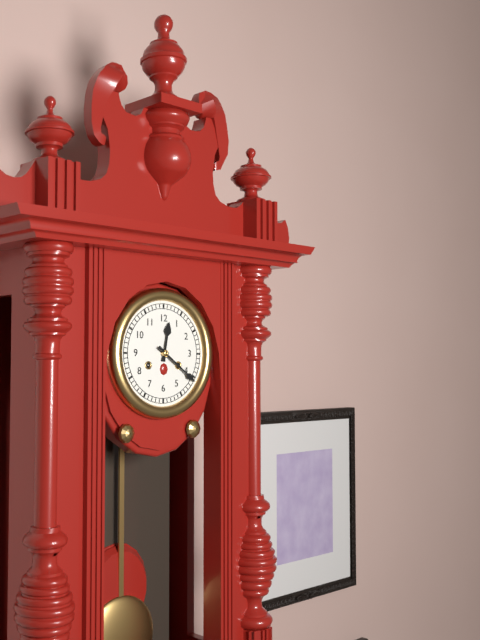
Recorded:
12,21
